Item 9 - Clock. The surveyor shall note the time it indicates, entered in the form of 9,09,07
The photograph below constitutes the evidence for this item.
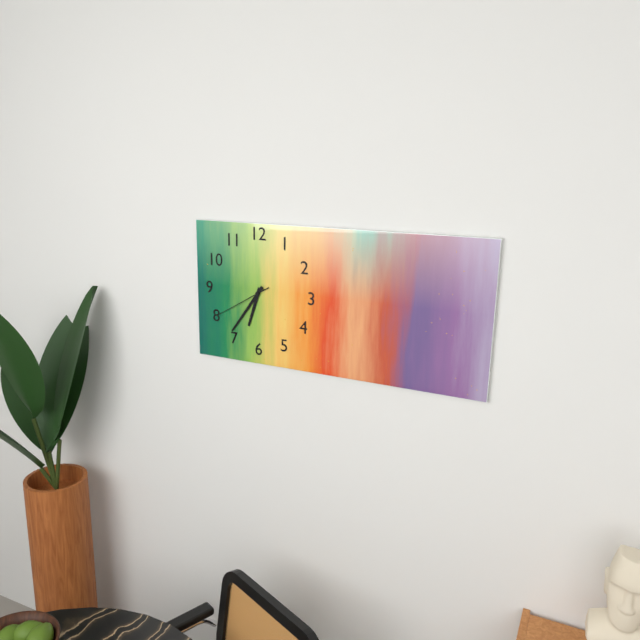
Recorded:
6,36,40
